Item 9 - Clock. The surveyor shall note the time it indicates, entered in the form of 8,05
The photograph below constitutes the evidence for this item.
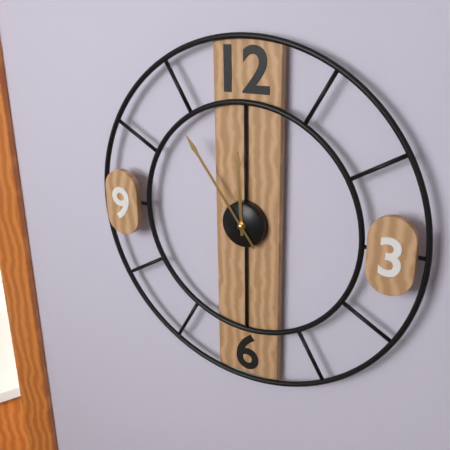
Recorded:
11,54
